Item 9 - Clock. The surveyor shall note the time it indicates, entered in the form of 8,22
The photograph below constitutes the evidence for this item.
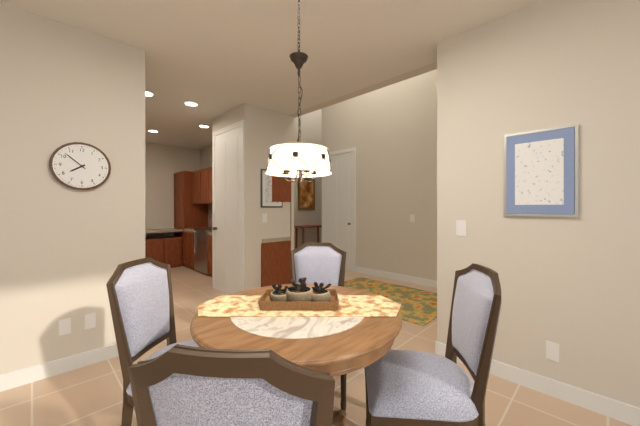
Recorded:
7,52
